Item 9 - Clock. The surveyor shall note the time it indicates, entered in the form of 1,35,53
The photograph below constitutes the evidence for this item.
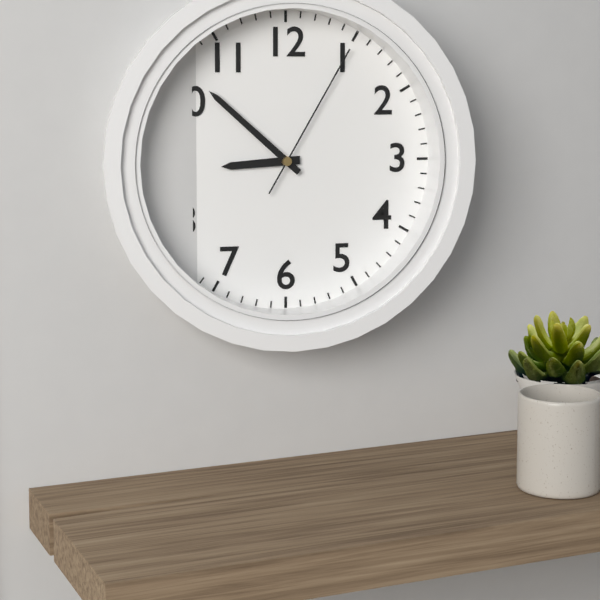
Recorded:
8,52,05
